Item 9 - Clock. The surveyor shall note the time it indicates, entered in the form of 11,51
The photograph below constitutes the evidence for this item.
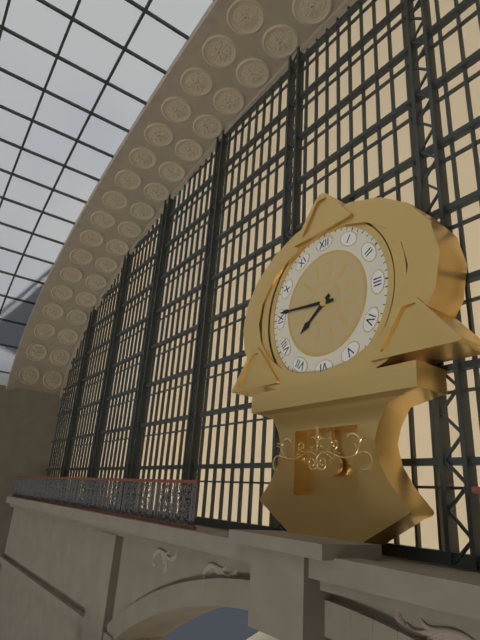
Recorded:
7,46
